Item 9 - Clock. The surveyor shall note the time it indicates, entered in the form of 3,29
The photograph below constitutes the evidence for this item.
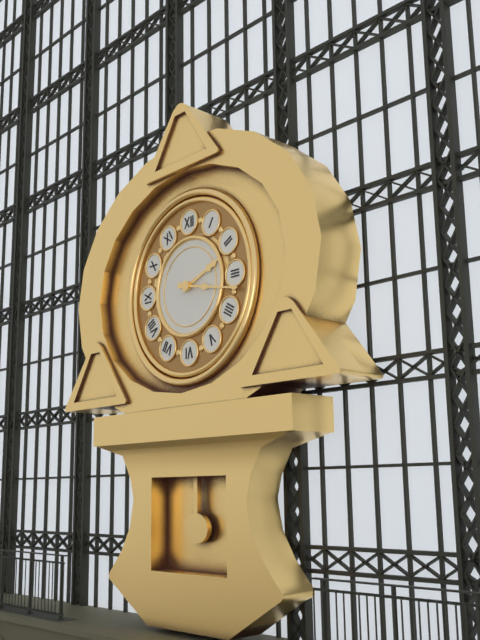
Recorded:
2,17
